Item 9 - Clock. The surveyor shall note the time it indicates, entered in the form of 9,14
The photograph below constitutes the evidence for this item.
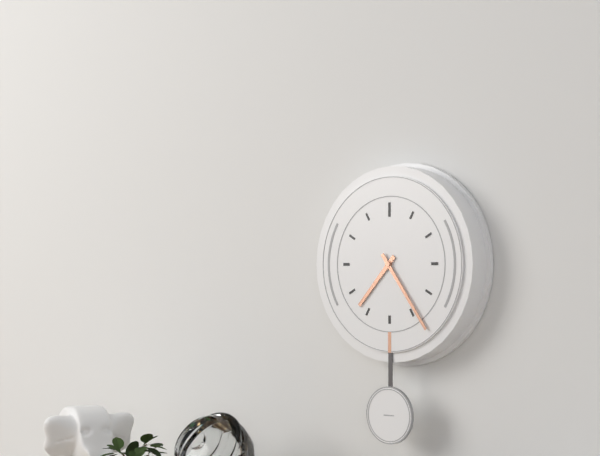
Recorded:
7,24
